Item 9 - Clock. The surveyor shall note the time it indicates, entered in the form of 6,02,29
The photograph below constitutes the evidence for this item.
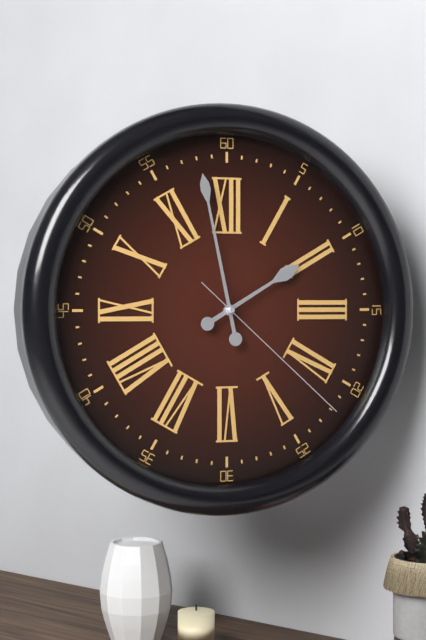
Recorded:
1,58,22
